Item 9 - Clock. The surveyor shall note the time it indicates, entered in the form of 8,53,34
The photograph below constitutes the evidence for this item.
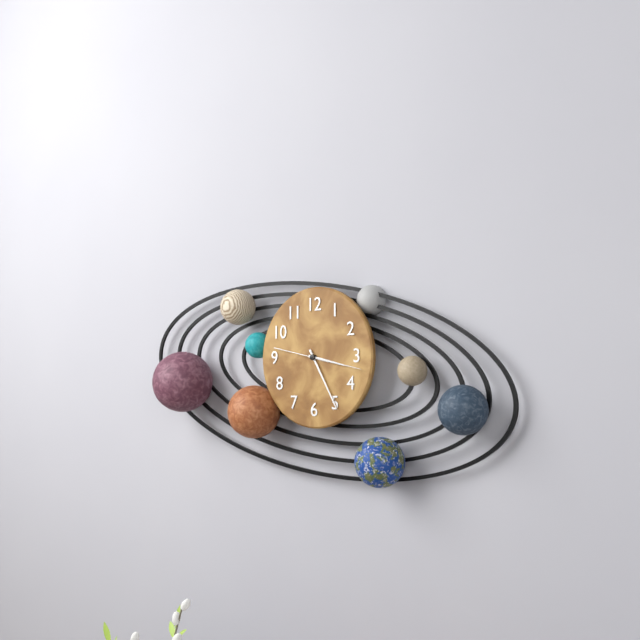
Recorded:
3,25,17
